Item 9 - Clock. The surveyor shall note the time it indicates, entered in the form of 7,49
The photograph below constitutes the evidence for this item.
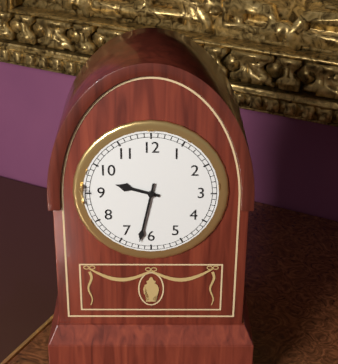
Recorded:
9,32
